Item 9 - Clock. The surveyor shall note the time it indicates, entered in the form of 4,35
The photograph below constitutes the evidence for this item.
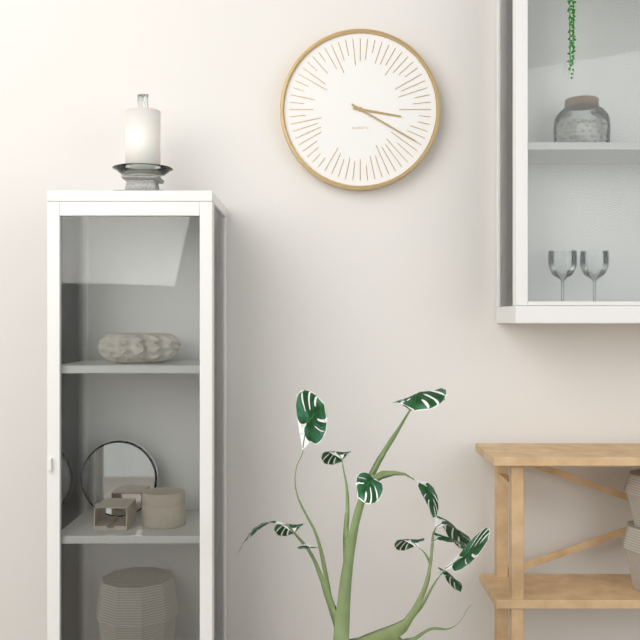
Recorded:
3,20
